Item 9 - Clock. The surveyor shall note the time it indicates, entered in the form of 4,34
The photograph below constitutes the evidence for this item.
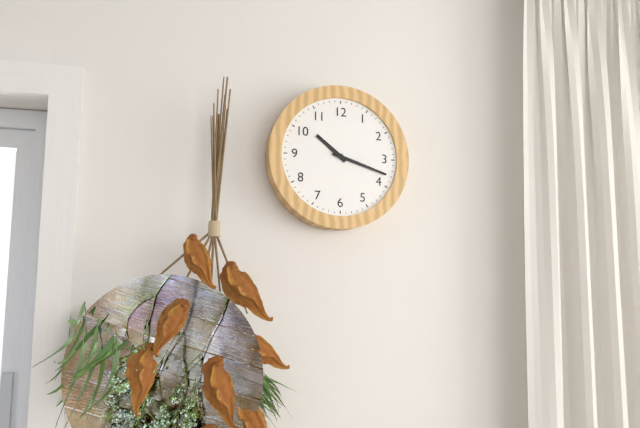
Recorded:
10,18
